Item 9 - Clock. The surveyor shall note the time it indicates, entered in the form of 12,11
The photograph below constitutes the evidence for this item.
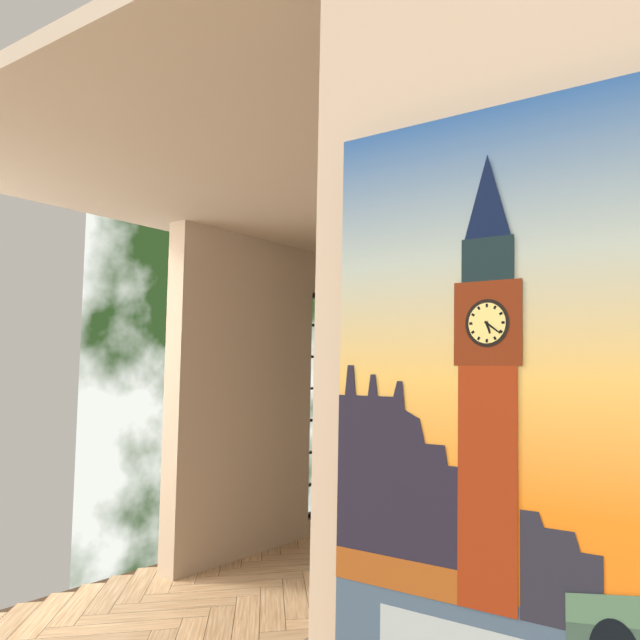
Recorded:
5,21
